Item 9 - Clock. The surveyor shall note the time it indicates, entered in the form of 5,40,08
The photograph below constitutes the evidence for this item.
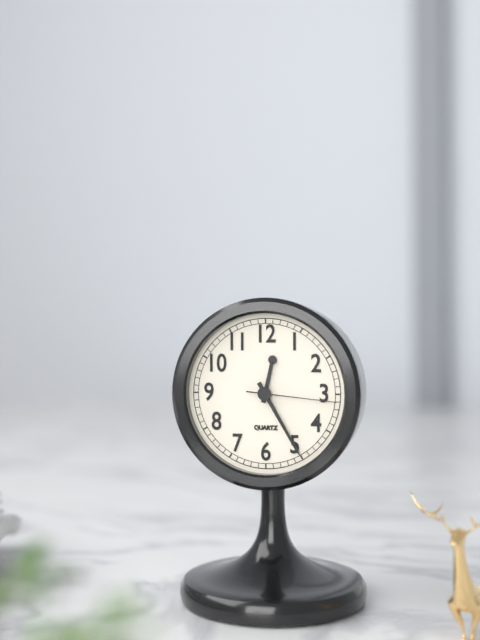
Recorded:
12,25,16
